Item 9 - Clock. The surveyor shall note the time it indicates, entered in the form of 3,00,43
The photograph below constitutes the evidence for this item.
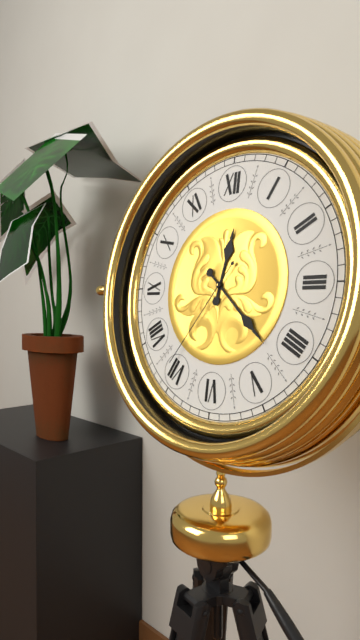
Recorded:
12,22,36
